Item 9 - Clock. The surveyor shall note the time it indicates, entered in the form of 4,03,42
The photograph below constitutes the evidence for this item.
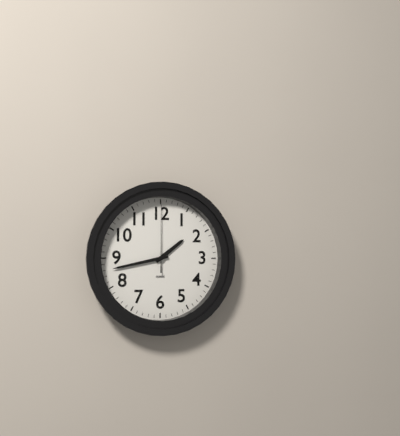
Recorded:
1,43,00
